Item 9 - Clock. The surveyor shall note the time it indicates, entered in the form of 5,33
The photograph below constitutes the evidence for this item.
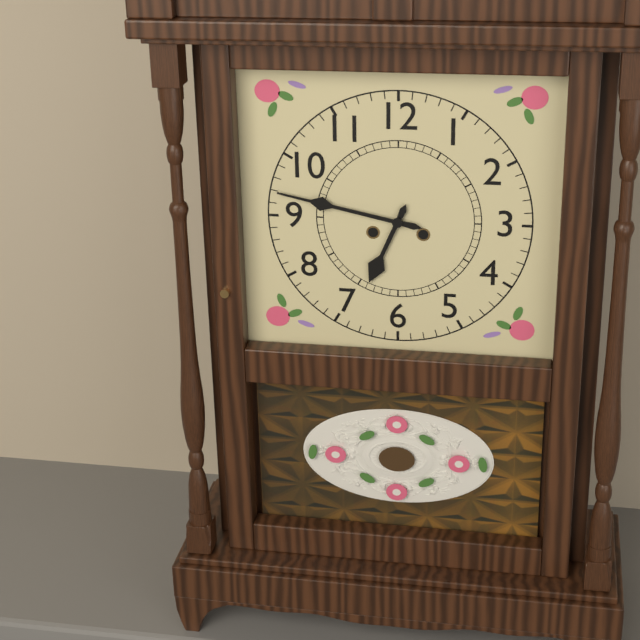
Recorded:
6,47
